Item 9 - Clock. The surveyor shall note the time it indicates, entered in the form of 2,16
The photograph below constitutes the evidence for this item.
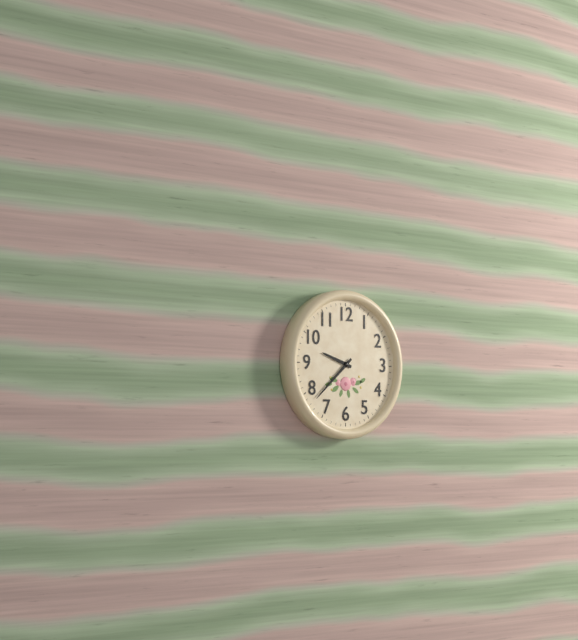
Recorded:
9,38
